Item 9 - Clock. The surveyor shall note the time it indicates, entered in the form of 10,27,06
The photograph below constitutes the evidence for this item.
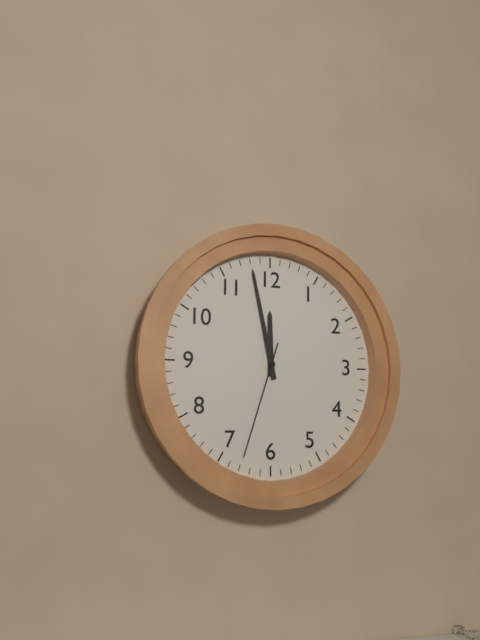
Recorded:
11,58,33
